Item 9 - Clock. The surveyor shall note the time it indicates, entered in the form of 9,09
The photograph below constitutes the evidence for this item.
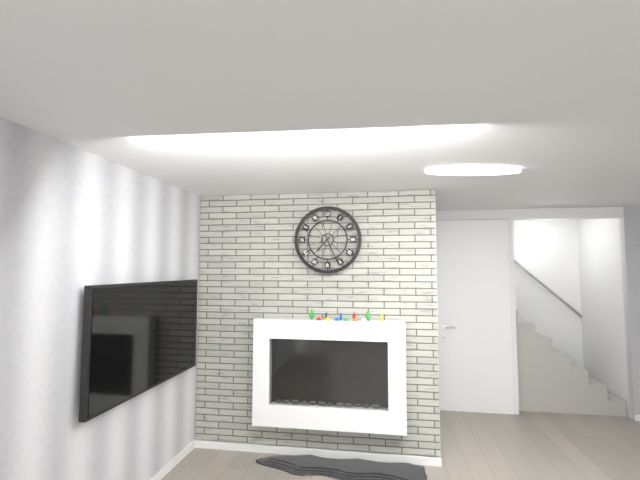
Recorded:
7,26
